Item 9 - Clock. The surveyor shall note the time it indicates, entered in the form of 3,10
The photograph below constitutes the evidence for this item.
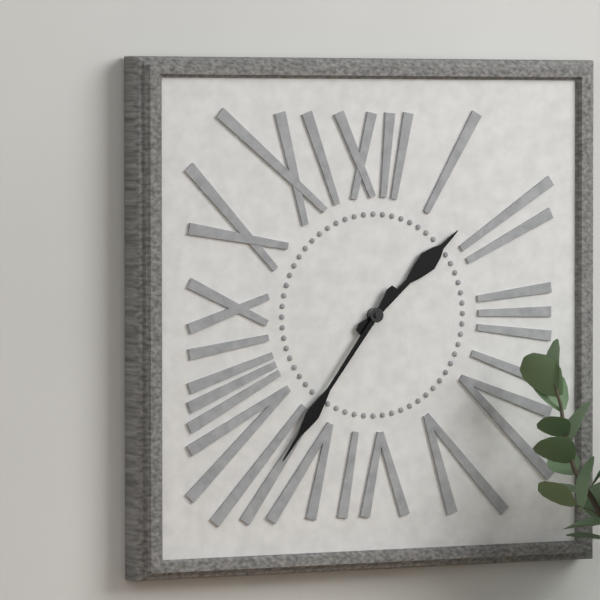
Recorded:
1,36
